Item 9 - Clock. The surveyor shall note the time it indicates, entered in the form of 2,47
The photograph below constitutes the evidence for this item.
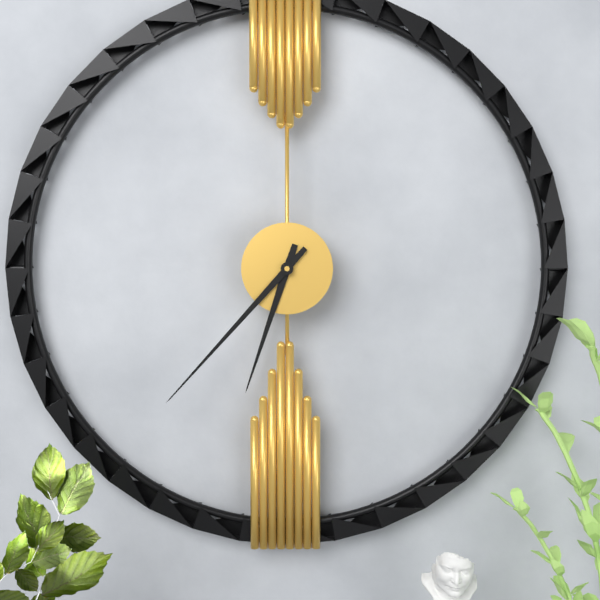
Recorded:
6,37
